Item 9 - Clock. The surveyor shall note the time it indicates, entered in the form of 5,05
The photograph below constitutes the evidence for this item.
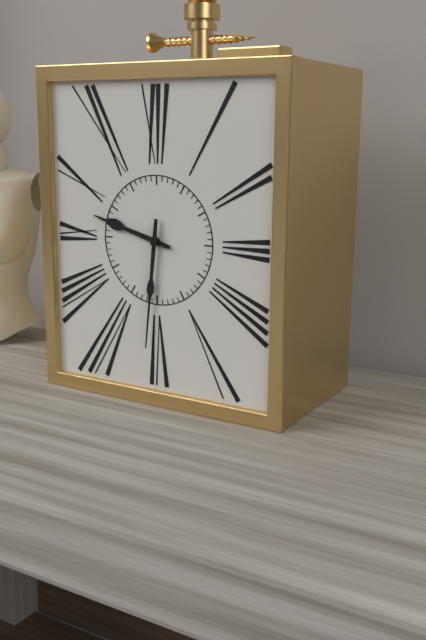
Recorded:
9,31
